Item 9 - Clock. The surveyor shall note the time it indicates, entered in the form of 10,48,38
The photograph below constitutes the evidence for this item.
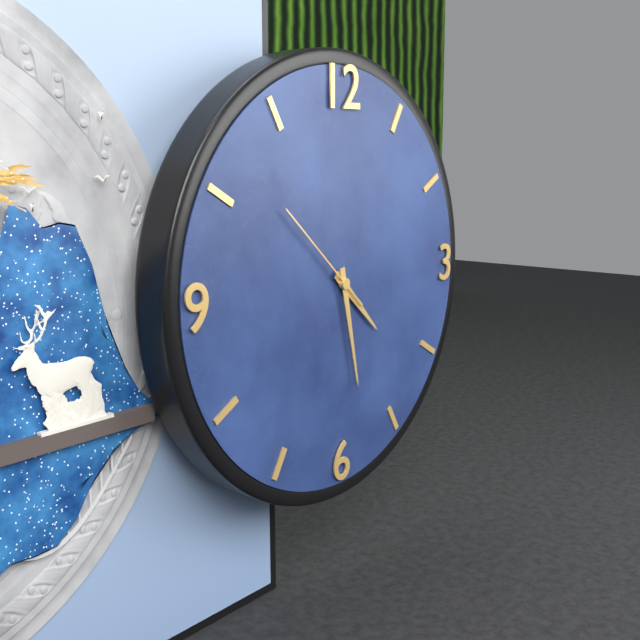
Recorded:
4,28,52
